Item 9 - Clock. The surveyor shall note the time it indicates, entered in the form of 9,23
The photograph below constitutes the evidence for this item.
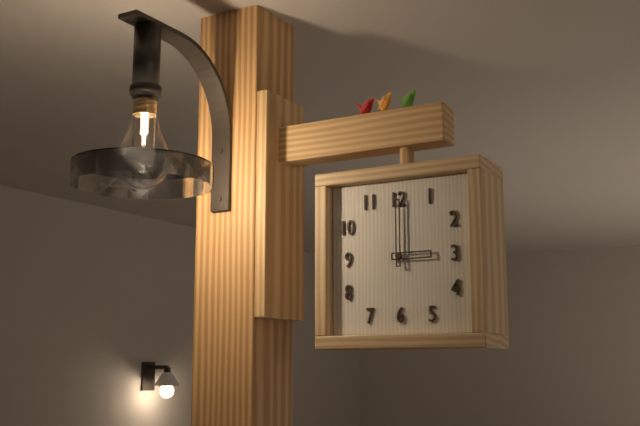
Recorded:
3,00
